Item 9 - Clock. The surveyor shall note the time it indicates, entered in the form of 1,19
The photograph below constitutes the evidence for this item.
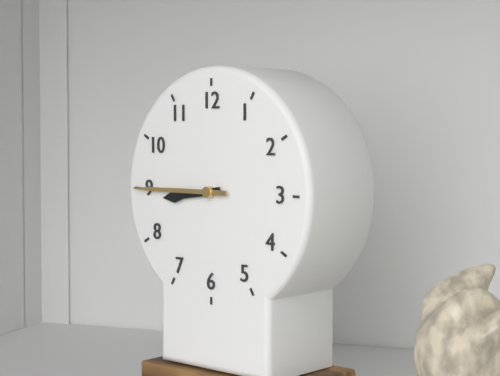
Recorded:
8,45
